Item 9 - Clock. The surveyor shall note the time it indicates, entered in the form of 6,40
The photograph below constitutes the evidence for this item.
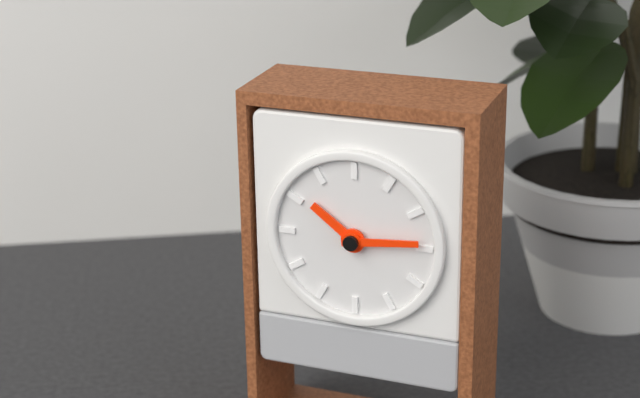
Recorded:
10,14
